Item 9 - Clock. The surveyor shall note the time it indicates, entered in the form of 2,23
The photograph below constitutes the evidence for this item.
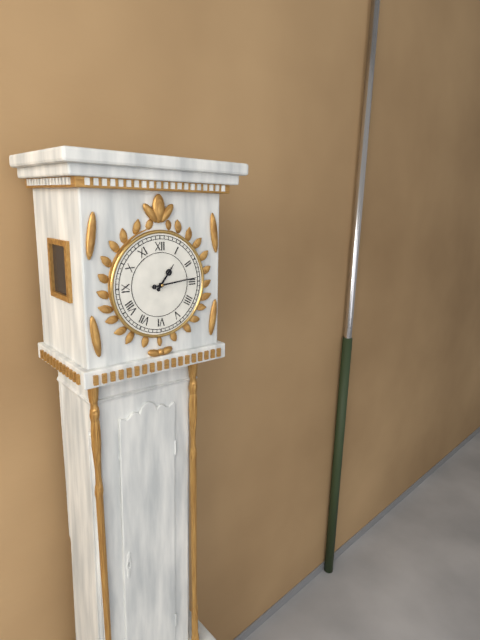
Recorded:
1,14
